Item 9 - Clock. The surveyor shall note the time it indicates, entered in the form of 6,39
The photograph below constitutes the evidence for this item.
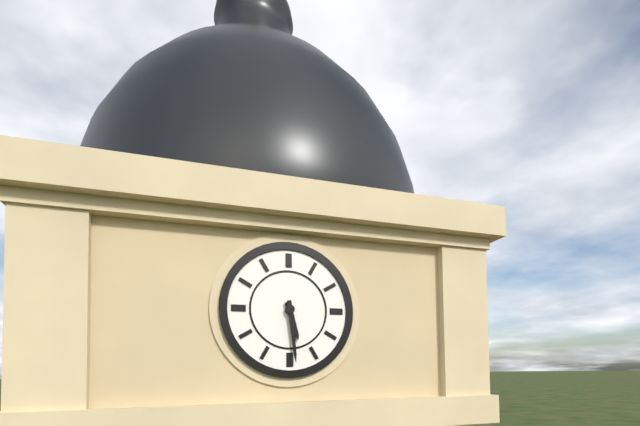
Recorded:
5,29
